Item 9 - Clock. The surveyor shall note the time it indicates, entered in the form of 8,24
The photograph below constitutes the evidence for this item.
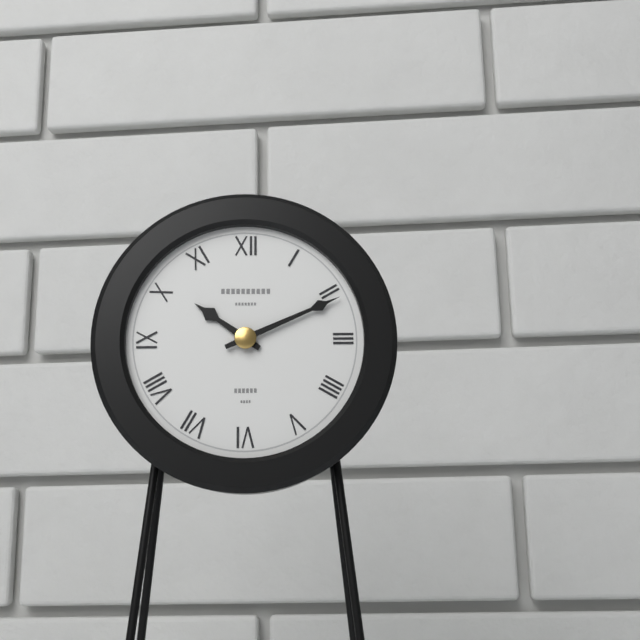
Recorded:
10,11
